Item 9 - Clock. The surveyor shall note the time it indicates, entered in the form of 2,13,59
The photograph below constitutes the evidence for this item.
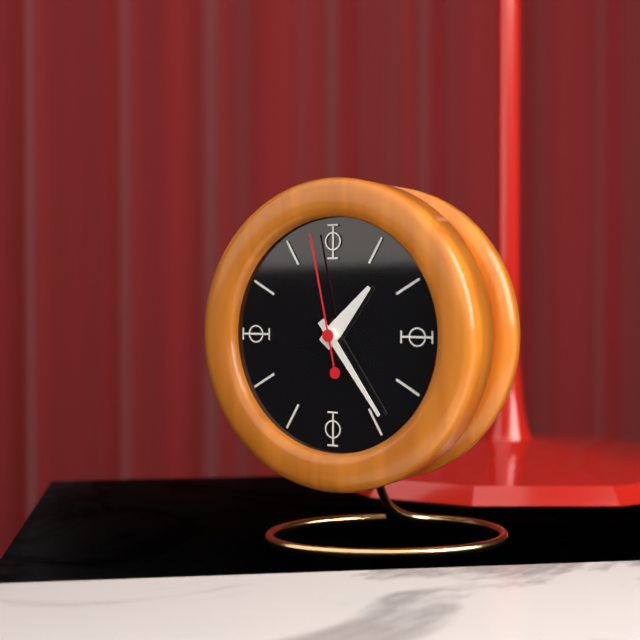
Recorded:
1,24,58
